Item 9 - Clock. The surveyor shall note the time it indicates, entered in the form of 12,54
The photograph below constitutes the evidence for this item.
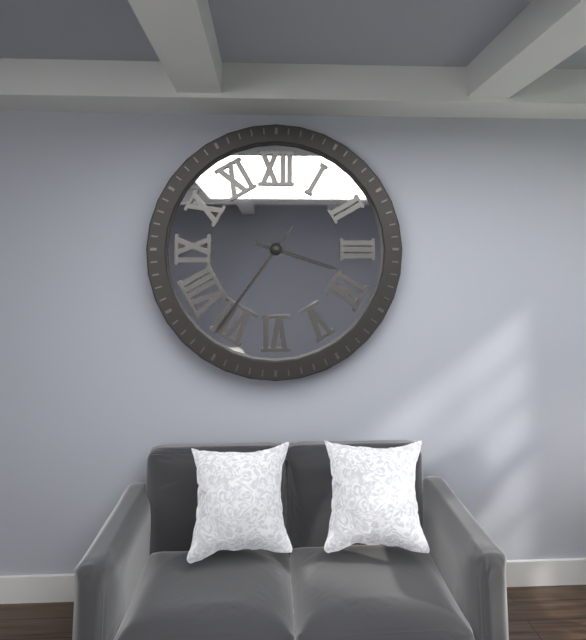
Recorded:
3,36
